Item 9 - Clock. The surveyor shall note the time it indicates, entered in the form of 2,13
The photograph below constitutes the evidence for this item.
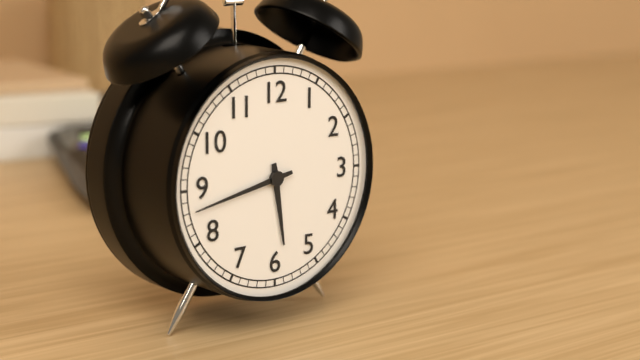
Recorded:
5,43
